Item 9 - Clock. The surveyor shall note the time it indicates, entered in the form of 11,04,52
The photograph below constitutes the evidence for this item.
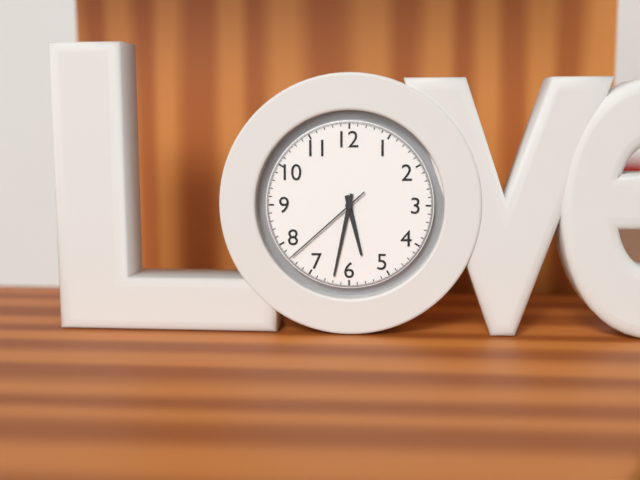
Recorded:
5,32,38
